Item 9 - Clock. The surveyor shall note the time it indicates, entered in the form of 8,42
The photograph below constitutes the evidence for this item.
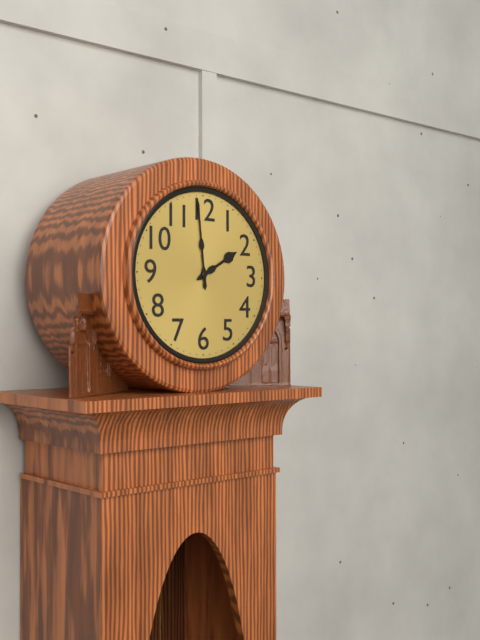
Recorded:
1,59
